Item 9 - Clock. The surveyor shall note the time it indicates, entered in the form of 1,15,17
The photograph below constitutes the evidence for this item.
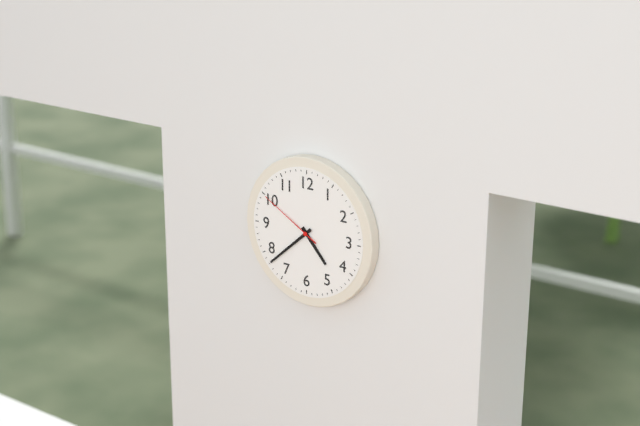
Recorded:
4,38,50
